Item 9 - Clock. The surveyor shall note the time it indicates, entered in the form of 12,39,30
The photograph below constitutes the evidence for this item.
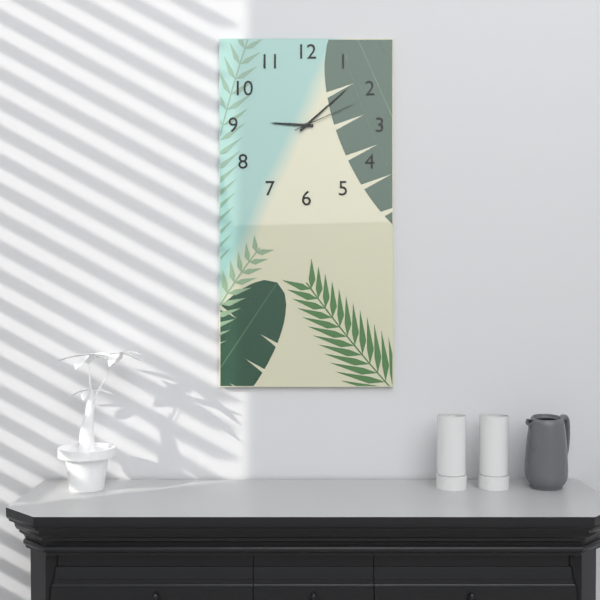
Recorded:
9,08,11
